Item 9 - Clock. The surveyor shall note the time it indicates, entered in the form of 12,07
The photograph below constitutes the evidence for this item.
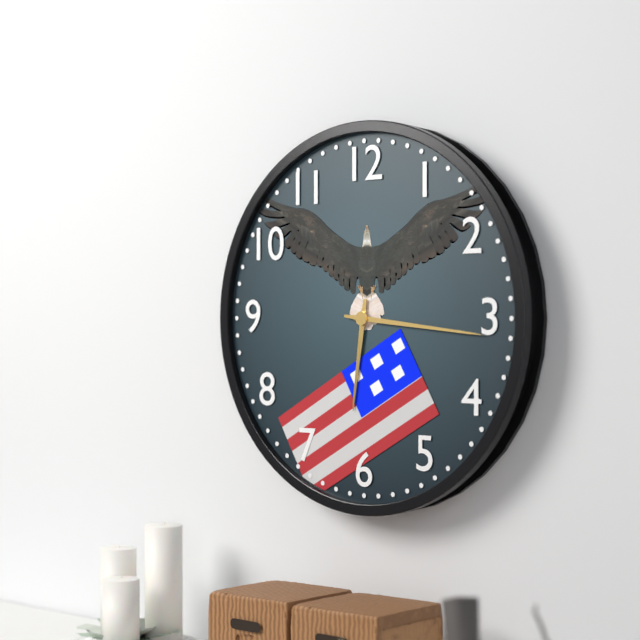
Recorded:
6,16
